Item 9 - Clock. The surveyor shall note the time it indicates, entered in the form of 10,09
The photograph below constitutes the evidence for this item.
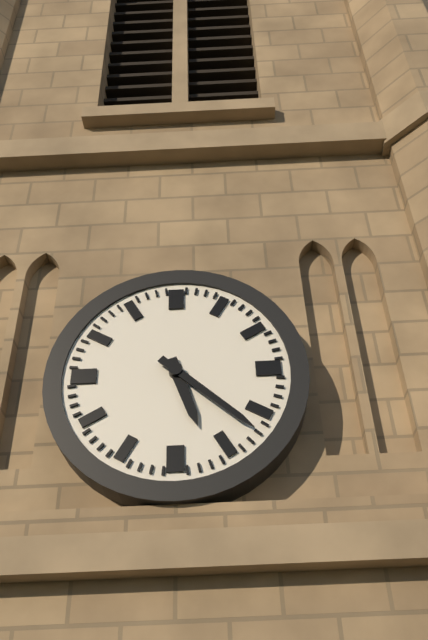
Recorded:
5,22
